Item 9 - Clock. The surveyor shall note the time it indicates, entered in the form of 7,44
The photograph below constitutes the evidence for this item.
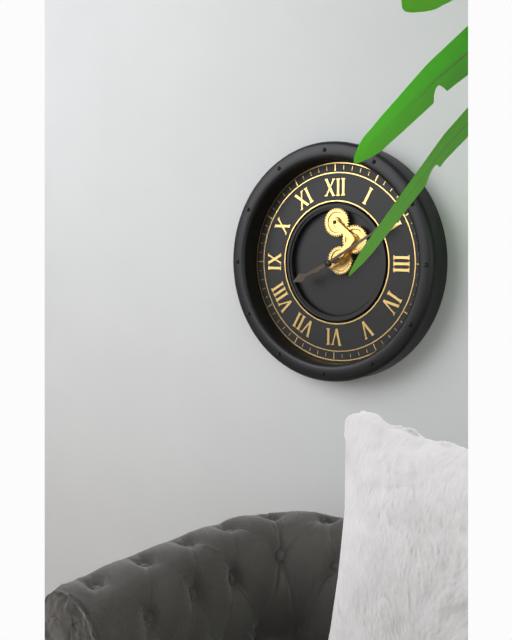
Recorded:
8,10
